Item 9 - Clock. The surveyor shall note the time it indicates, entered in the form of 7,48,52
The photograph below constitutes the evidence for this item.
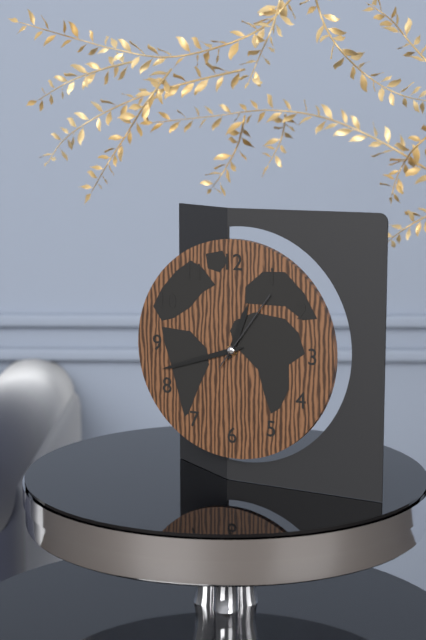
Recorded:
12,42,06
